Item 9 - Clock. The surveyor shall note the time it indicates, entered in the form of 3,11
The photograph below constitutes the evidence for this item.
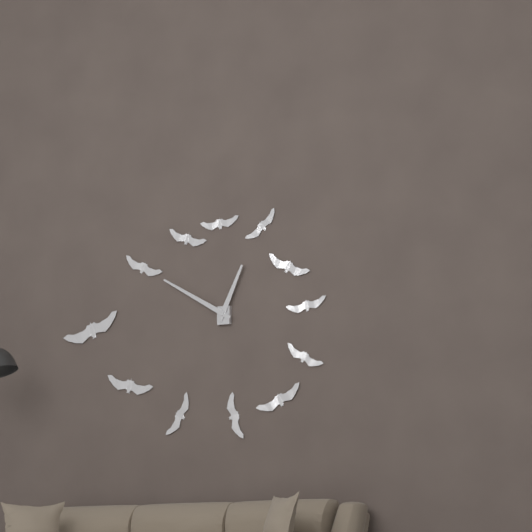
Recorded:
12,50
